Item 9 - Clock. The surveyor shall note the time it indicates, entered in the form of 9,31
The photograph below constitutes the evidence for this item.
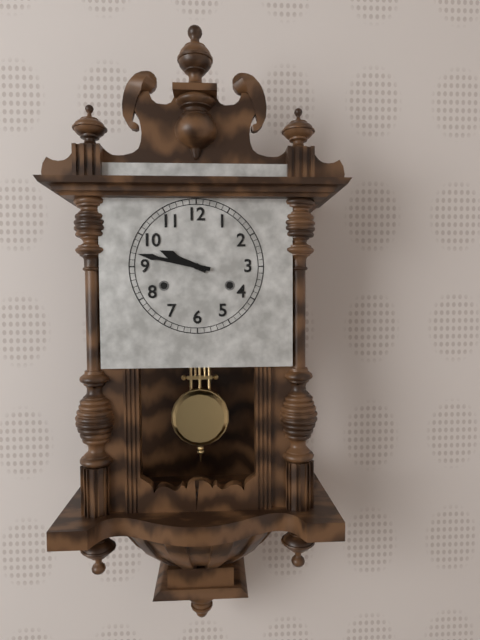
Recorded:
9,47
